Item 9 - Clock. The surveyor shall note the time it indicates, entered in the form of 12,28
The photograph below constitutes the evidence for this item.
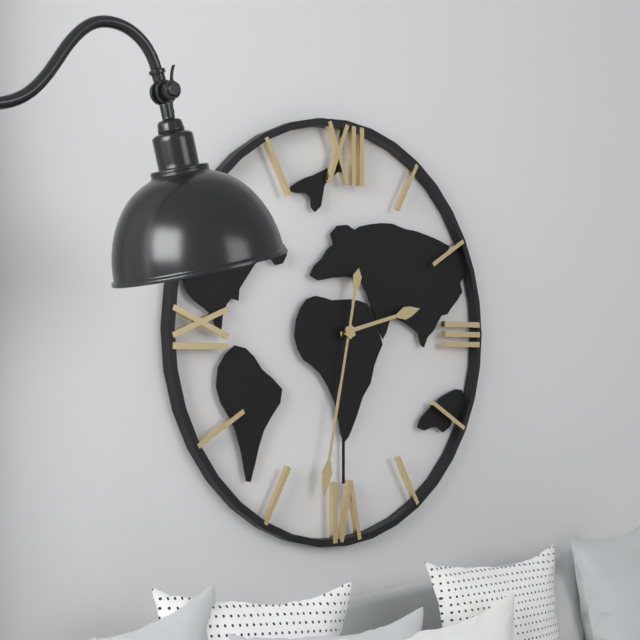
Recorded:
2,32
